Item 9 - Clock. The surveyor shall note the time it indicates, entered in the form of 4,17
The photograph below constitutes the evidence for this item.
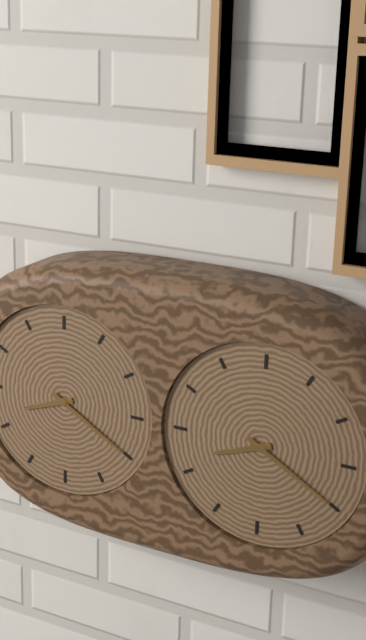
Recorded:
8,20
